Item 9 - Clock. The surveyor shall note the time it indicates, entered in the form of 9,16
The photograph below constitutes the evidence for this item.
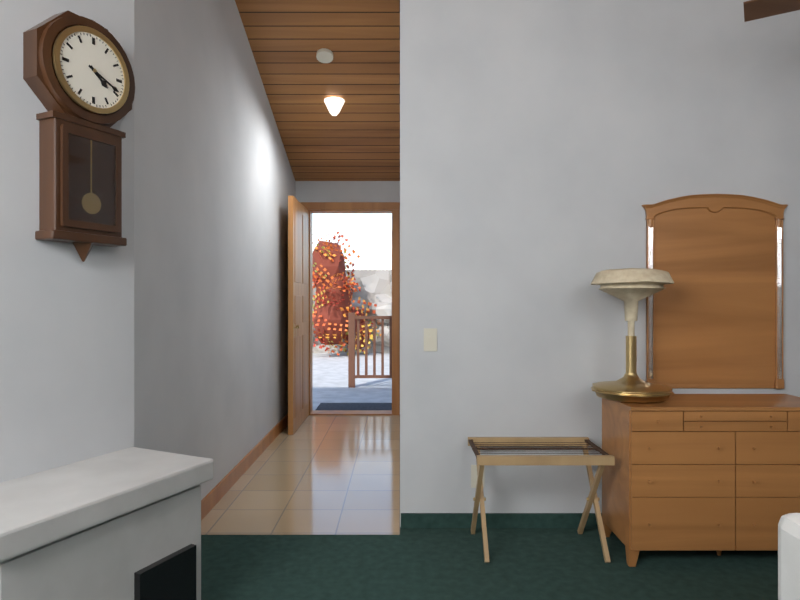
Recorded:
4,19
